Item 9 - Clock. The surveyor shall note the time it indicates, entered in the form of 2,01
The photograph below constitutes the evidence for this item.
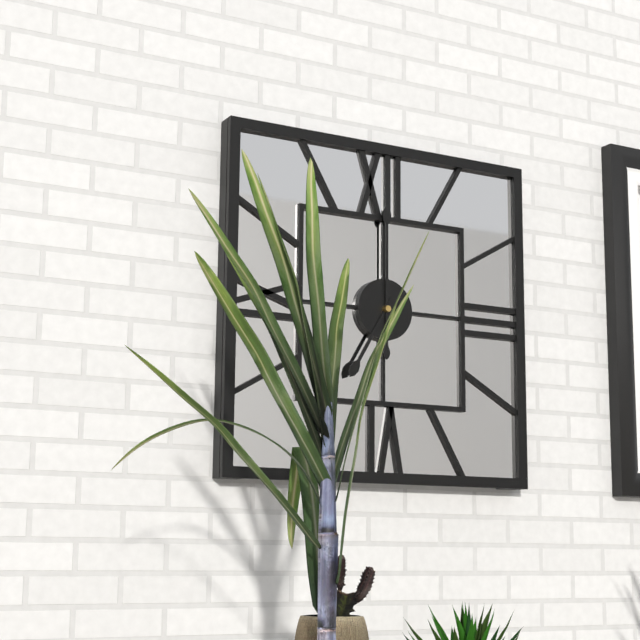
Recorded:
7,00
